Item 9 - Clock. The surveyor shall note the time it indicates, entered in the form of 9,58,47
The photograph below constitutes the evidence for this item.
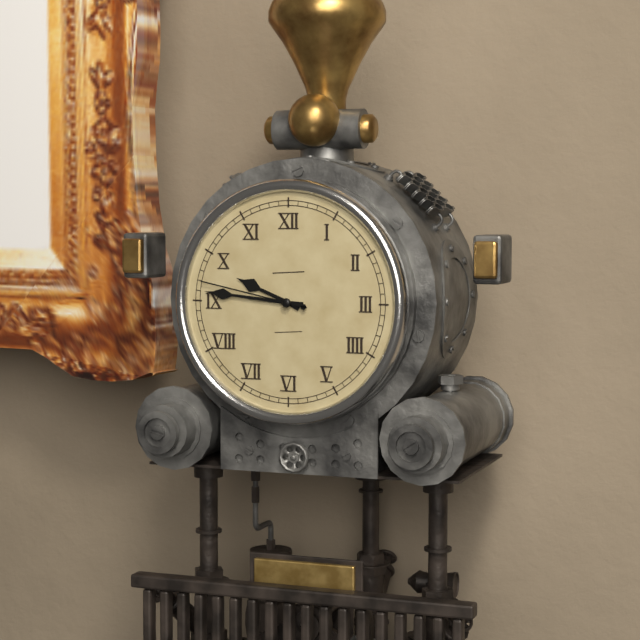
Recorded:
9,46,47
